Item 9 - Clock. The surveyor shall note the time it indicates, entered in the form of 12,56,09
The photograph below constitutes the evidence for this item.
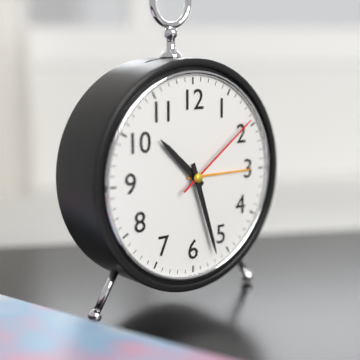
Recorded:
10,27,09
